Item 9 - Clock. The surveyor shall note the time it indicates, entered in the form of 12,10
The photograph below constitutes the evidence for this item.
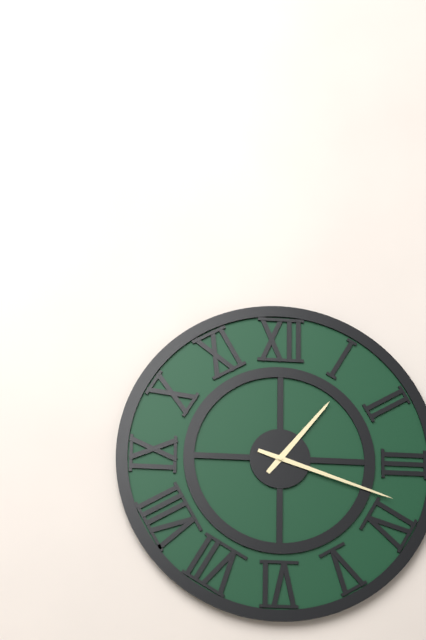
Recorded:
1,18
